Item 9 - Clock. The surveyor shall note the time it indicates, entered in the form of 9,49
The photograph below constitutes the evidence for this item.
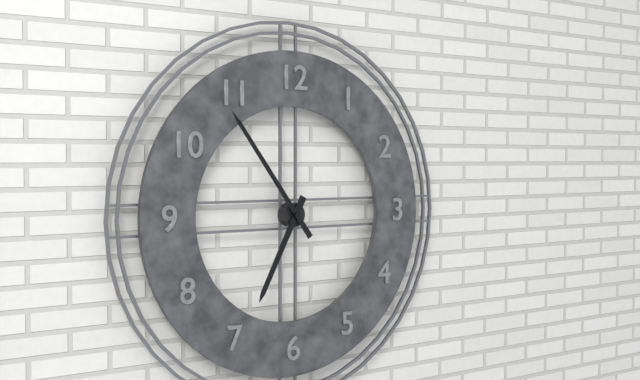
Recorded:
6,54
